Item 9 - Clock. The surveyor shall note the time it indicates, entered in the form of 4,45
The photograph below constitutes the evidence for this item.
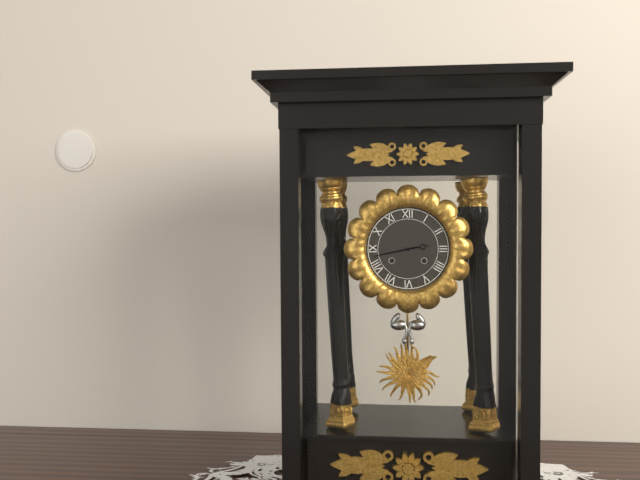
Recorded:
2,43
